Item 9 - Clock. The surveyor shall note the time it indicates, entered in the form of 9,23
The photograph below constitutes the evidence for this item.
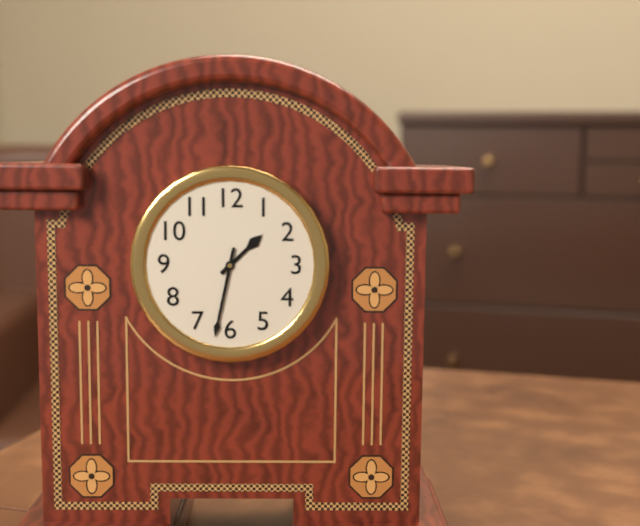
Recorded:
1,32
